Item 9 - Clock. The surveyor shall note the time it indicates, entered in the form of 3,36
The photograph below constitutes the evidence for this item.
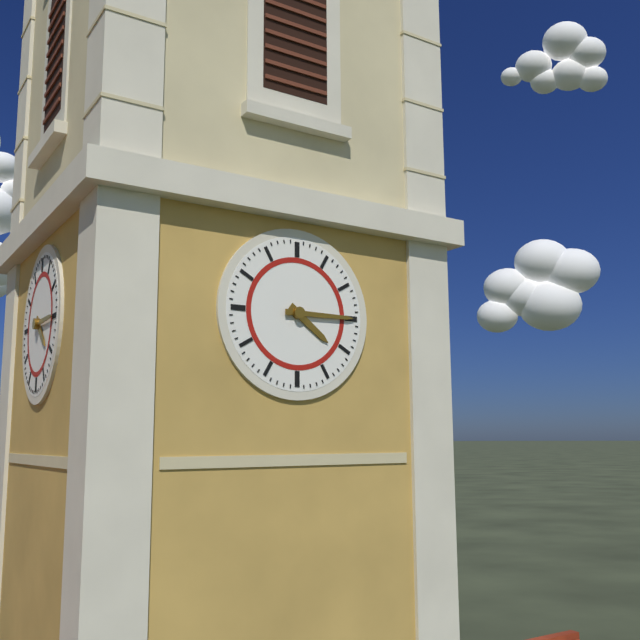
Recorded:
4,15
